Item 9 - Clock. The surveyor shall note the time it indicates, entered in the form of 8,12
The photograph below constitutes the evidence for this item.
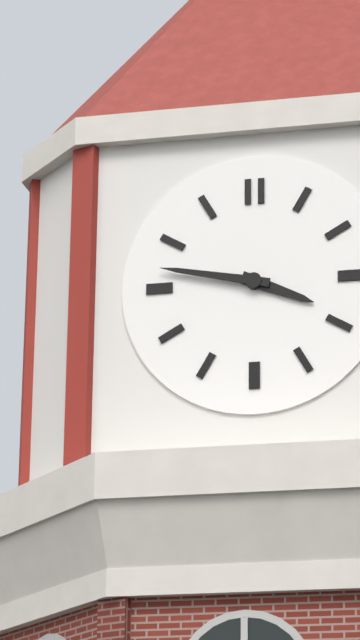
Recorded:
3,47
